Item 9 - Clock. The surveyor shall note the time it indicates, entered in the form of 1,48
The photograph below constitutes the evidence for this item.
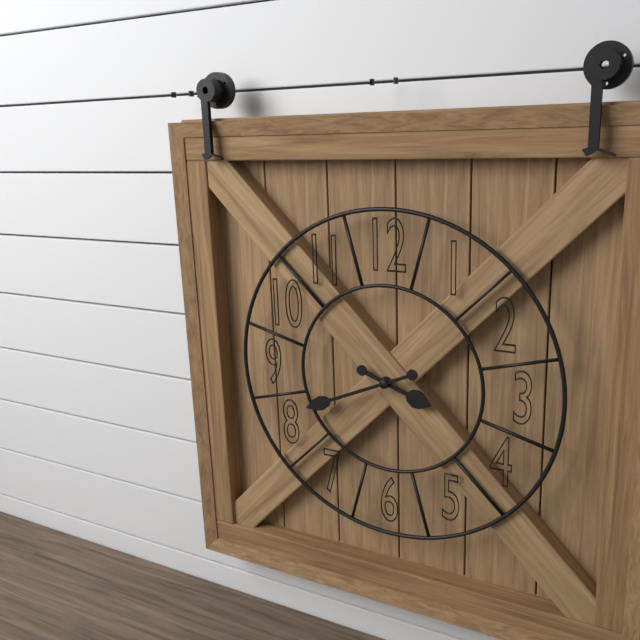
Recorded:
3,41
